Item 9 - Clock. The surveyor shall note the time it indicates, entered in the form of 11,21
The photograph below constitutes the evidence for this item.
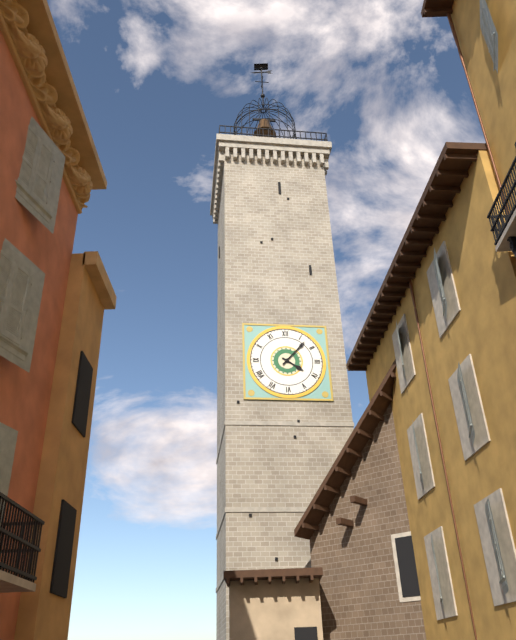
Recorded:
4,07
